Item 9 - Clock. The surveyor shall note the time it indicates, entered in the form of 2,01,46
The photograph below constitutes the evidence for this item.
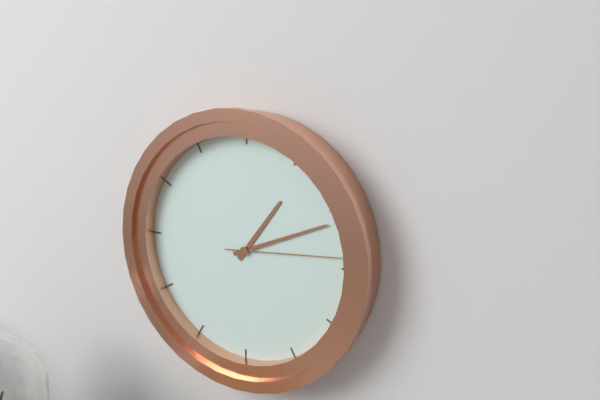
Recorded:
1,11,14
